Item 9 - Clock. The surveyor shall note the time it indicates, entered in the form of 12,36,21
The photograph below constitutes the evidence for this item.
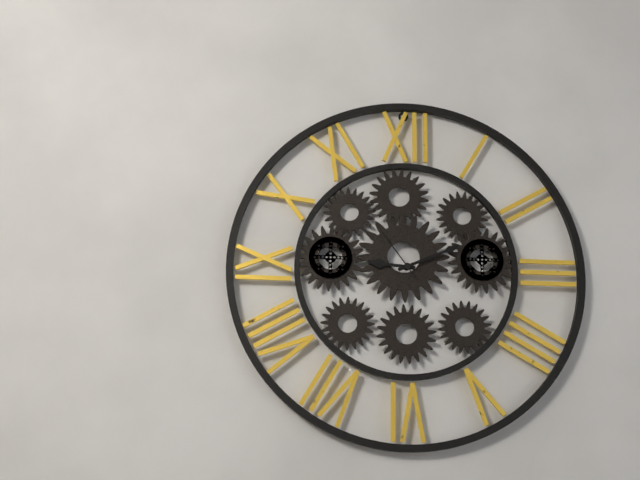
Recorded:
9,11,54
